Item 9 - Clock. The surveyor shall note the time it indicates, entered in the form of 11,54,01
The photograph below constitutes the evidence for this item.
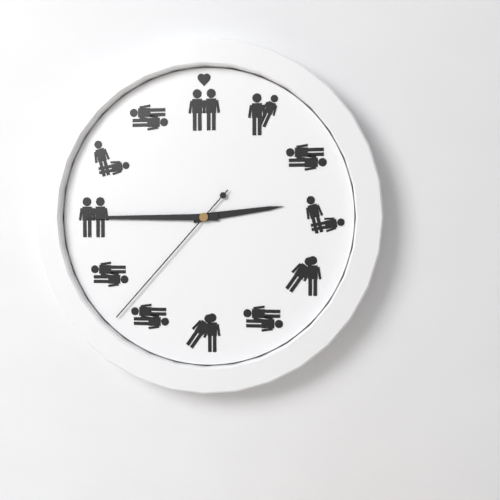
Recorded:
2,45,37
